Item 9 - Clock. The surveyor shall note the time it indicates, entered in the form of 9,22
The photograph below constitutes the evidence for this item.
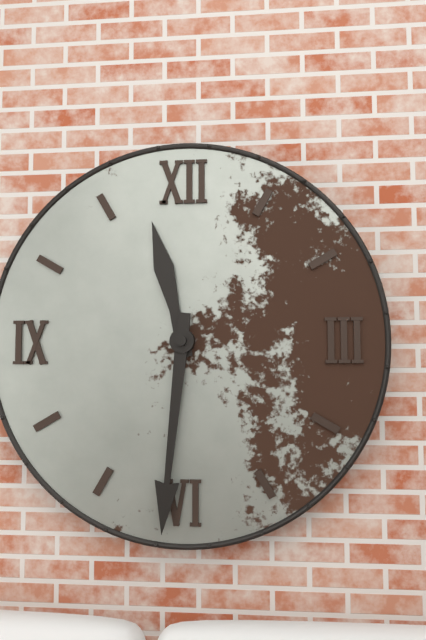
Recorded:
11,31
